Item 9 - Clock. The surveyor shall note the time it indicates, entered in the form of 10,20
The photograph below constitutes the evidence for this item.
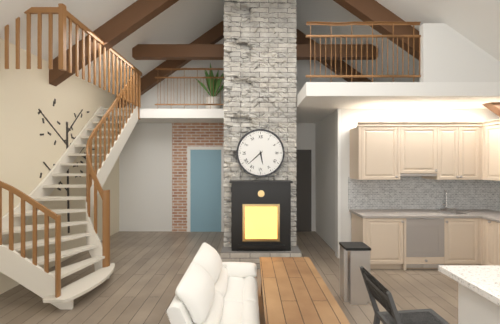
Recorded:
5,38
